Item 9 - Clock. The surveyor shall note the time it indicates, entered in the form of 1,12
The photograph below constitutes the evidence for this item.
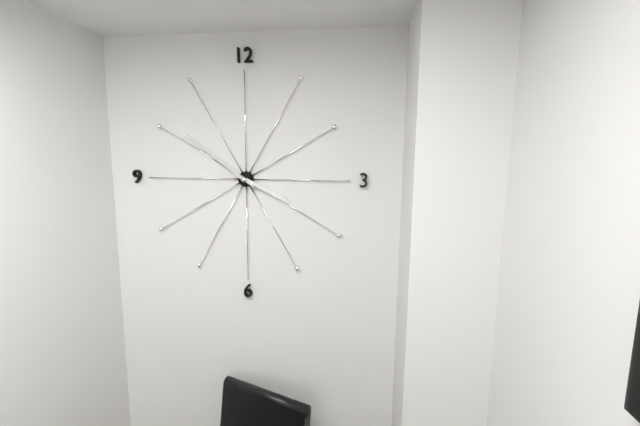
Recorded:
3,51
